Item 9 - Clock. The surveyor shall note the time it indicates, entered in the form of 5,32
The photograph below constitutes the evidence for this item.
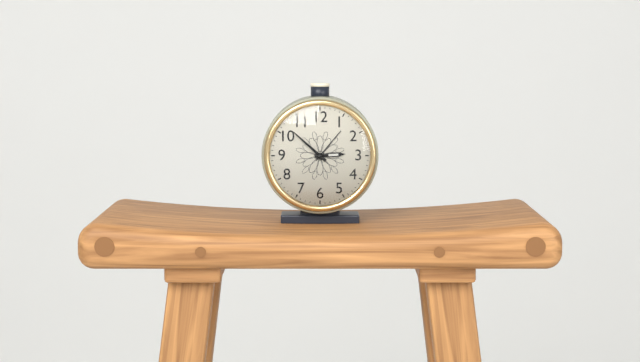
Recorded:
2,52
